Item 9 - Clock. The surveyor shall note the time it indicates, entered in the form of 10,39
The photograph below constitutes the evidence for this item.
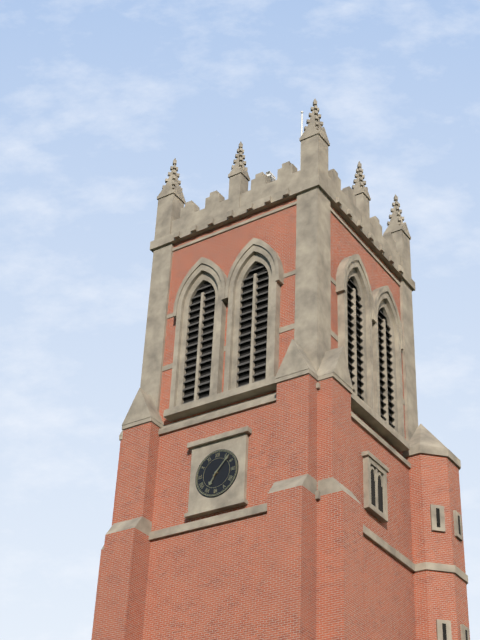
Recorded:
7,07
